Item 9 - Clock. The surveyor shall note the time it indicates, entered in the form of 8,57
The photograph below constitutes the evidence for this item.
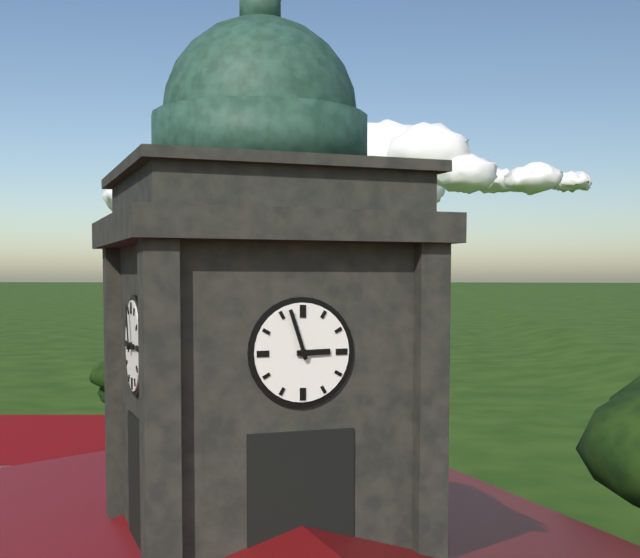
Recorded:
2,57
